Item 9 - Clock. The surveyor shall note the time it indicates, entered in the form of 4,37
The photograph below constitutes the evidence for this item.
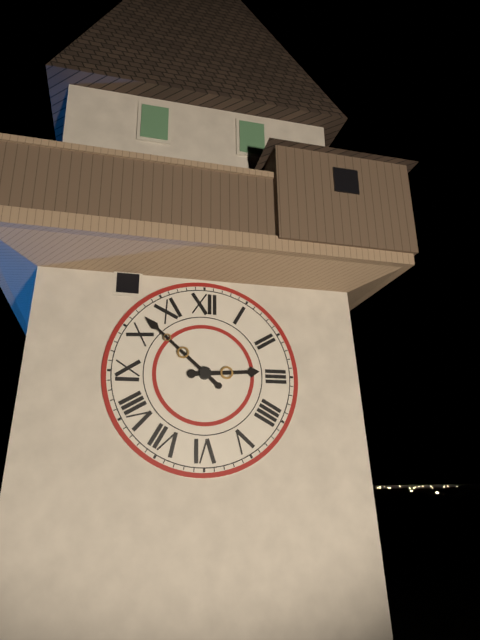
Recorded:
2,52
